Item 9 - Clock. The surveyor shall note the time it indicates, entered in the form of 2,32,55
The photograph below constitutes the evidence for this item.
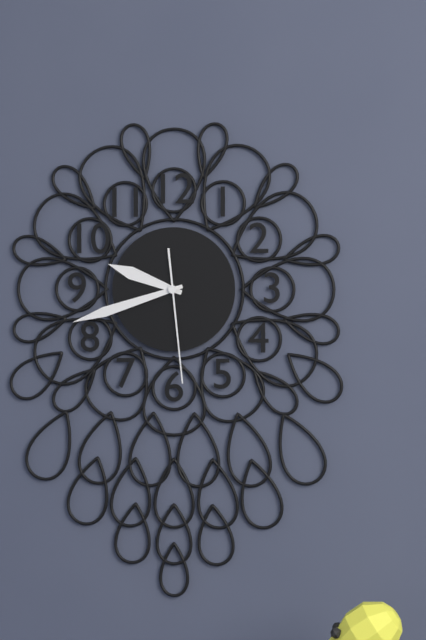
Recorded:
9,42,29
